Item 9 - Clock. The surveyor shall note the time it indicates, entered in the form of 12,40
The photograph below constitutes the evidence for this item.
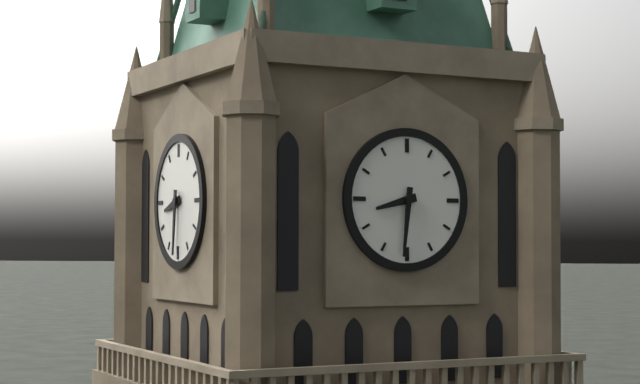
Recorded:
8,31
